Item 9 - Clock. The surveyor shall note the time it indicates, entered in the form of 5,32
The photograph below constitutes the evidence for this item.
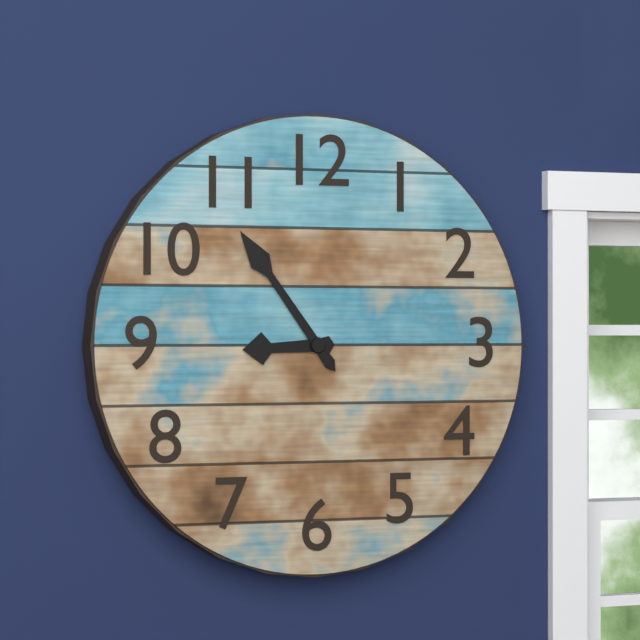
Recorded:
8,54
